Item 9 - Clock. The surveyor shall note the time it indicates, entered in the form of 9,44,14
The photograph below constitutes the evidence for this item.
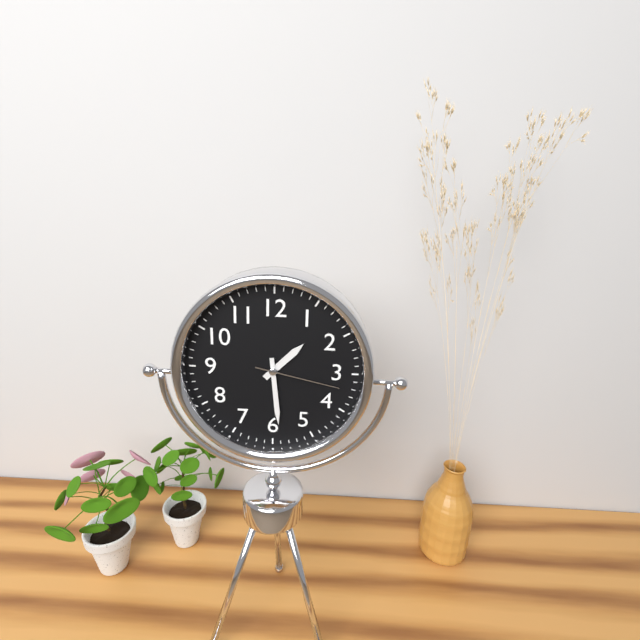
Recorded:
1,29,17
